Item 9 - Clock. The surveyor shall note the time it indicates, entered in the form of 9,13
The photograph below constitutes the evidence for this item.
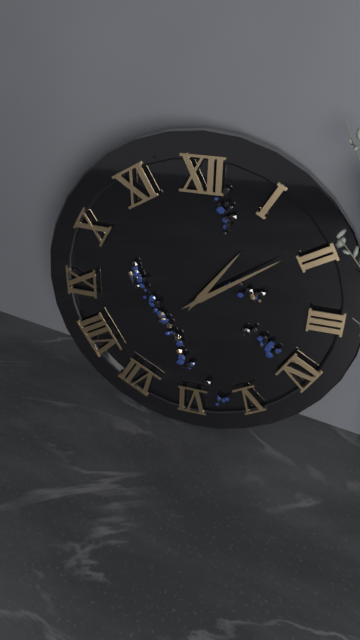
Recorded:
1,09
